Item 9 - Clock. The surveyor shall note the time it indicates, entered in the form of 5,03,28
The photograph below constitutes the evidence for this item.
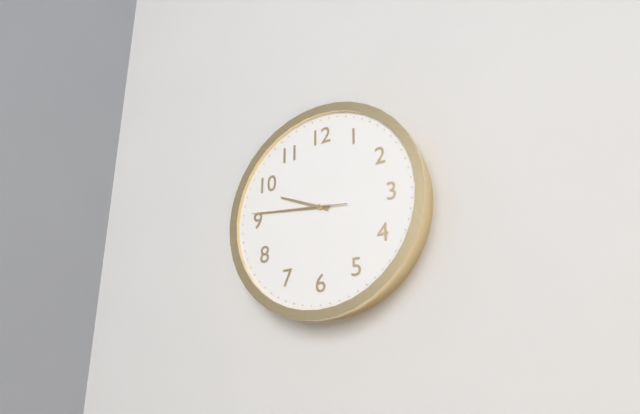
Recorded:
9,46,46
